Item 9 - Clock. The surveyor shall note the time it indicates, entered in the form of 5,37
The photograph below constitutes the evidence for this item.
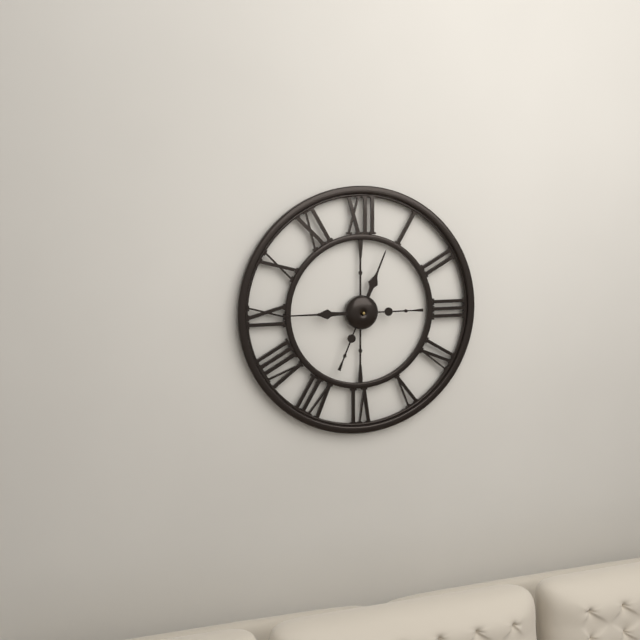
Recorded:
12,45
